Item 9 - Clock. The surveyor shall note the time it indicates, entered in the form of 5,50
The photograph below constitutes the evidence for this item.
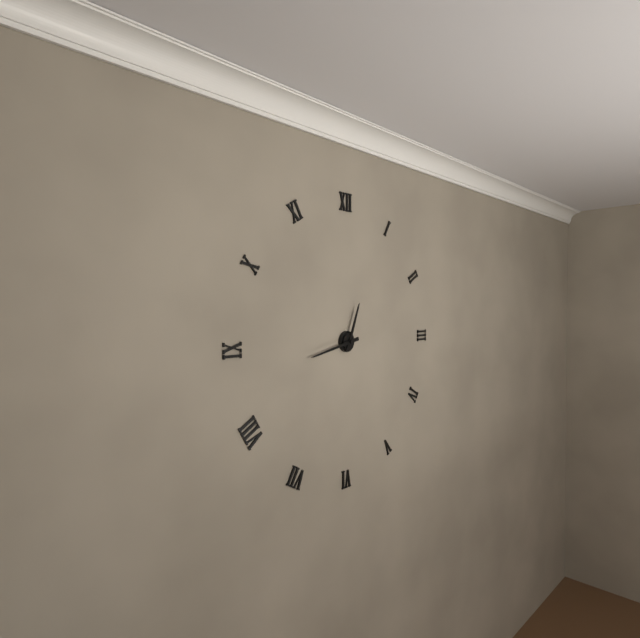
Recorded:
12,43
